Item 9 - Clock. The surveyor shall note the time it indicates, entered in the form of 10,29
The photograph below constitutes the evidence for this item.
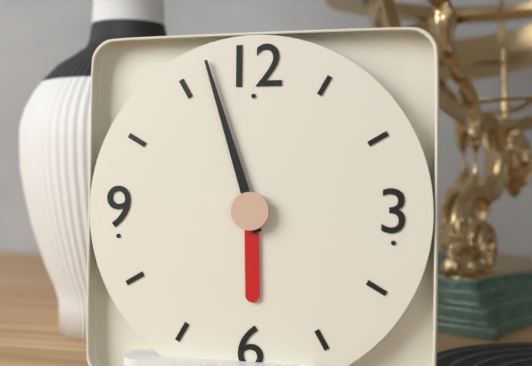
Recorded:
5,57
